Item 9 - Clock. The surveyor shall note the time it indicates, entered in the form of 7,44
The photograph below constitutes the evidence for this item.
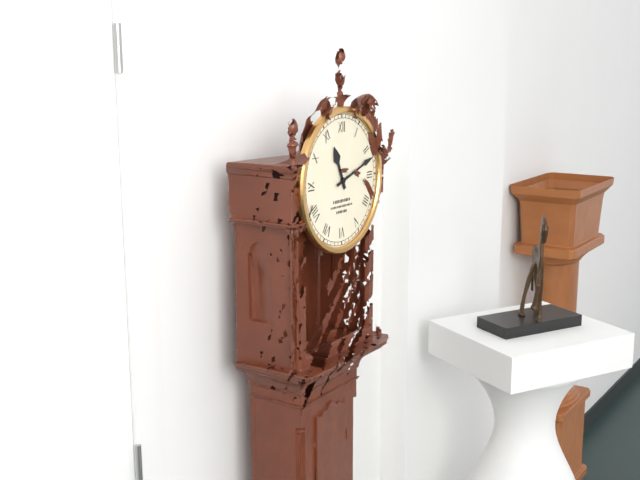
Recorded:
11,12
